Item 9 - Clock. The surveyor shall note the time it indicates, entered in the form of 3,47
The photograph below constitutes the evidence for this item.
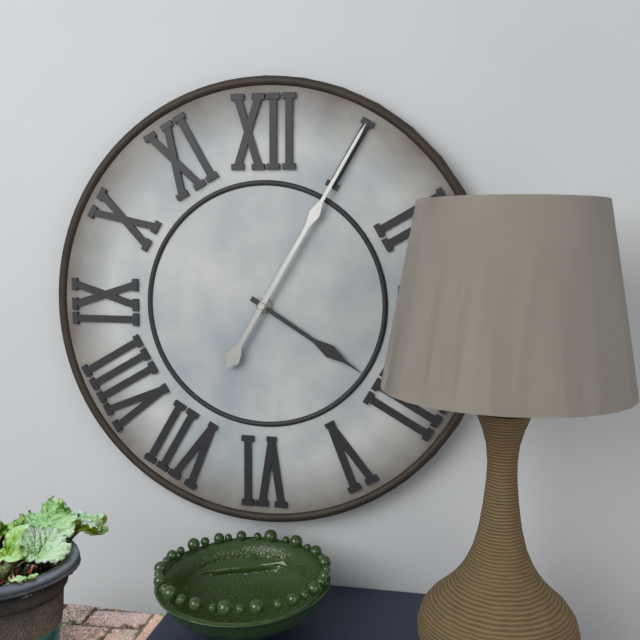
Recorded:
4,05
